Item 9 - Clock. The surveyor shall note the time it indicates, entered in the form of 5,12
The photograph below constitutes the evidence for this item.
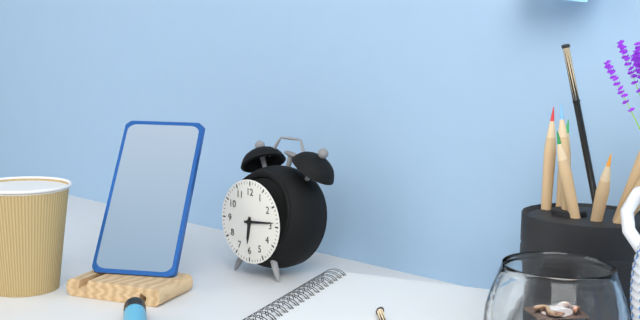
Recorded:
6,14
